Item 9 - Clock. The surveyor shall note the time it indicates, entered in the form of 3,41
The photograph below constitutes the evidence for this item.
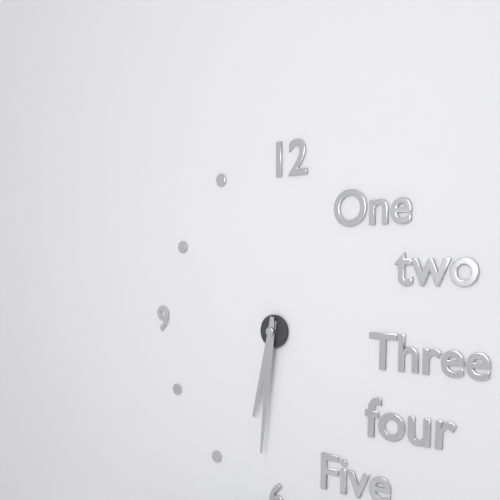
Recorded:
6,31
